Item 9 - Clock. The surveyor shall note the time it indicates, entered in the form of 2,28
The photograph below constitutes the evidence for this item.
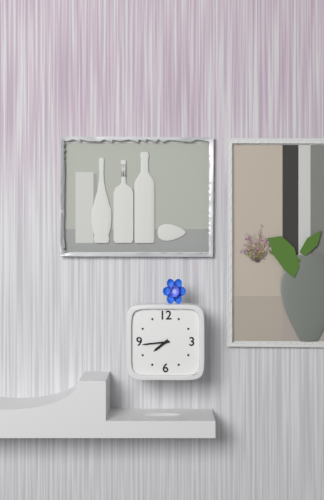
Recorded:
7,44
